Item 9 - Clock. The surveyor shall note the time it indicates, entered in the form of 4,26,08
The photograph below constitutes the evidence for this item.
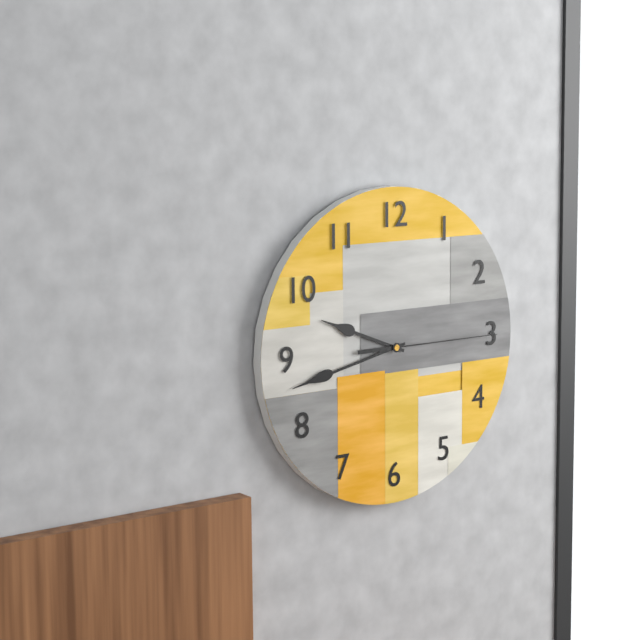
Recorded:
9,43,15
